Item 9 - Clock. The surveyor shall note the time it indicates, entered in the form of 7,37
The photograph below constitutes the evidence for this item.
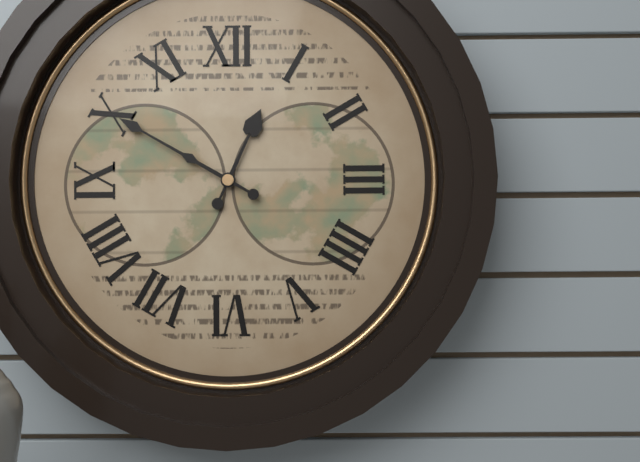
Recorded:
12,50
